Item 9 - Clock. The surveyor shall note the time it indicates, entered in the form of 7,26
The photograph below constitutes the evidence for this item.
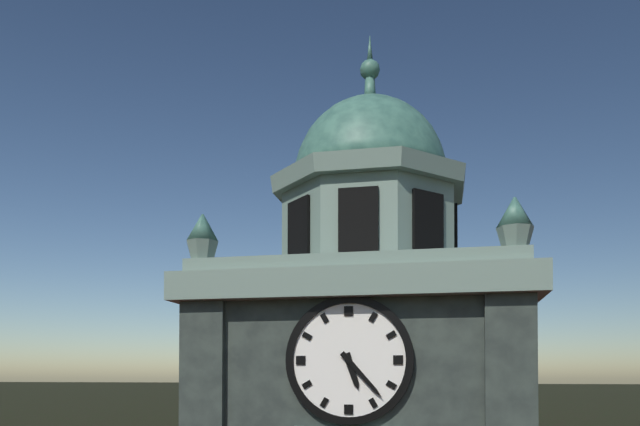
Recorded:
5,23
